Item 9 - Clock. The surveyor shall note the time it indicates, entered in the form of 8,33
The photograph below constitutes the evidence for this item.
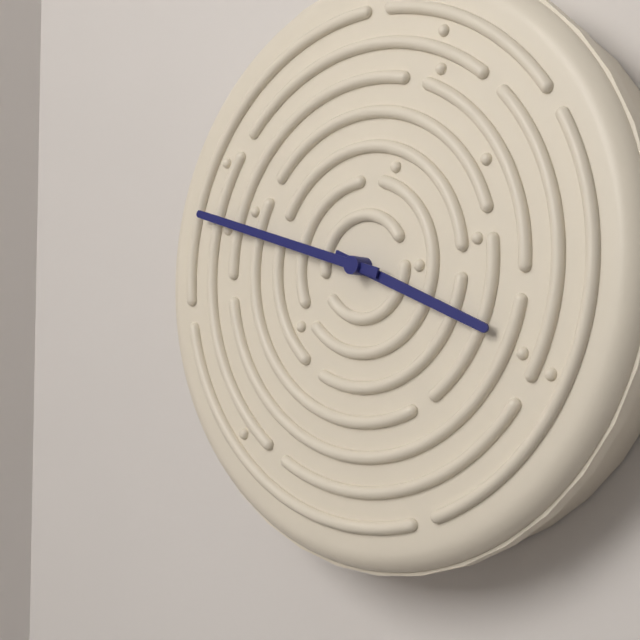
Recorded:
3,48
